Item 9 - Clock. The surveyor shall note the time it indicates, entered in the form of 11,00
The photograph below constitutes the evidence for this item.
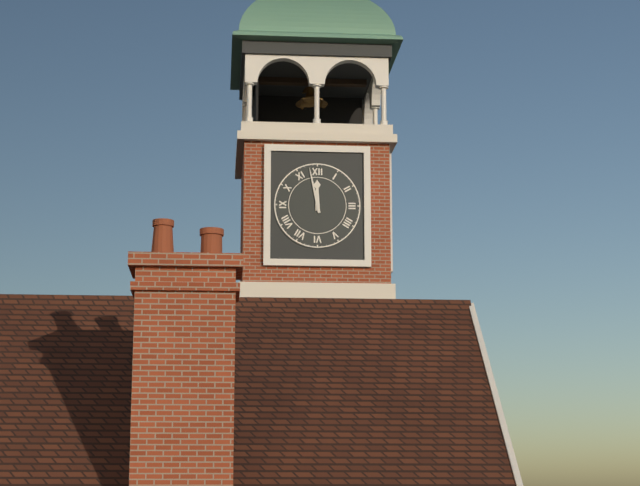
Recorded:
11,58
